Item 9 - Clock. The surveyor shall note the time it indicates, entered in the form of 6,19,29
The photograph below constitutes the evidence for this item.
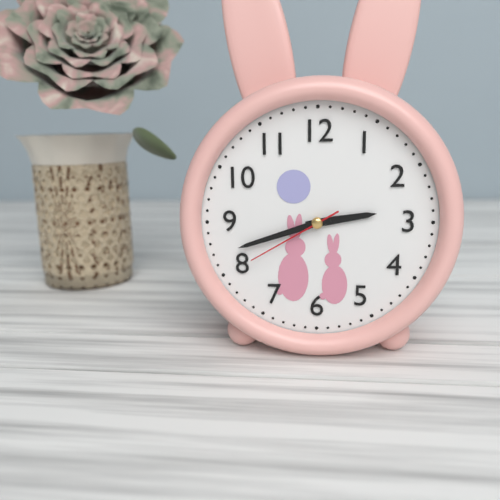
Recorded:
2,42,40
